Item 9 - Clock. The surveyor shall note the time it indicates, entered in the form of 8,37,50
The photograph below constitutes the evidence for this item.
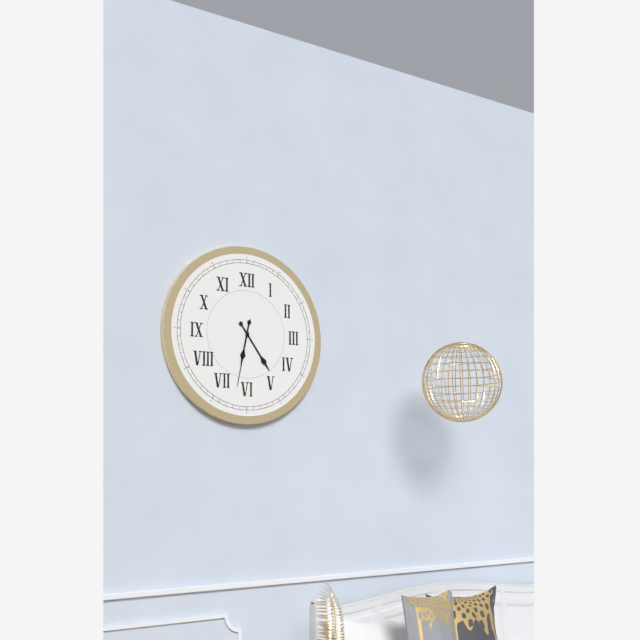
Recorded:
6,24,32
